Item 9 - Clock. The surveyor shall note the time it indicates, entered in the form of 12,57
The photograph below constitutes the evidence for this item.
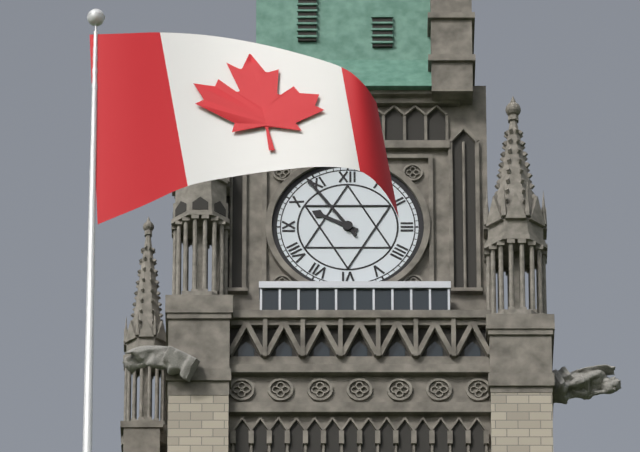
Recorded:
9,54
